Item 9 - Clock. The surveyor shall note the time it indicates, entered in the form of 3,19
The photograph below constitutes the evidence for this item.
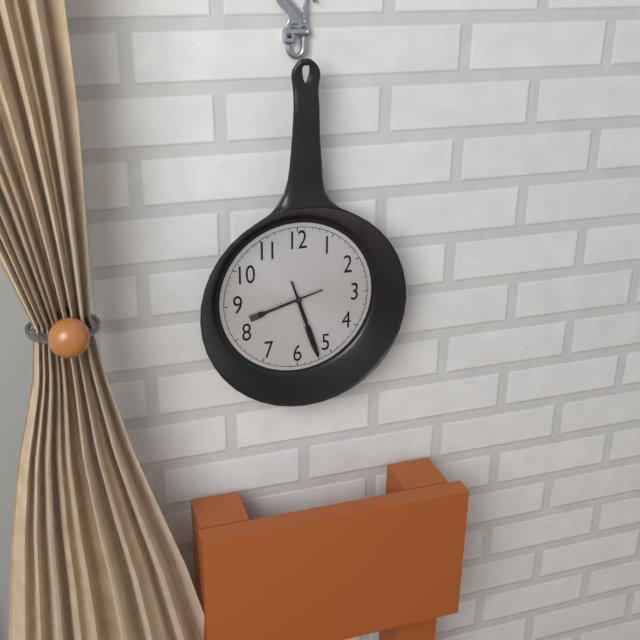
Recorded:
8,27
